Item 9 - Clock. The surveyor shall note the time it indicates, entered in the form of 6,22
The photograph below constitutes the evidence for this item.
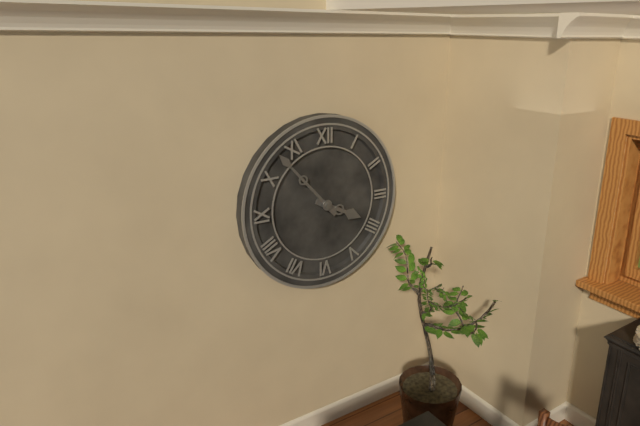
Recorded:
3,53
